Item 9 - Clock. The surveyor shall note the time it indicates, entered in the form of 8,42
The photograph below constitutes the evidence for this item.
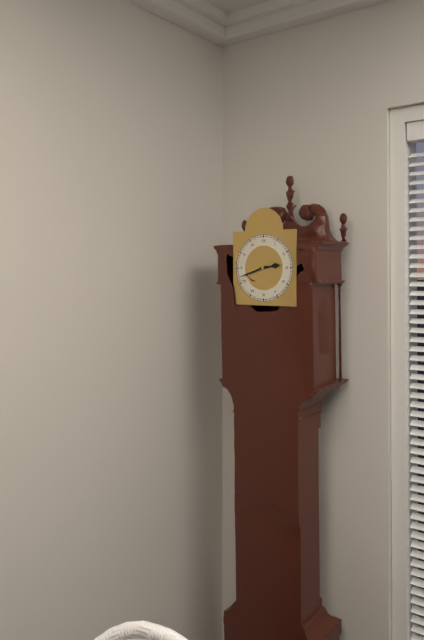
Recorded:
2,42
